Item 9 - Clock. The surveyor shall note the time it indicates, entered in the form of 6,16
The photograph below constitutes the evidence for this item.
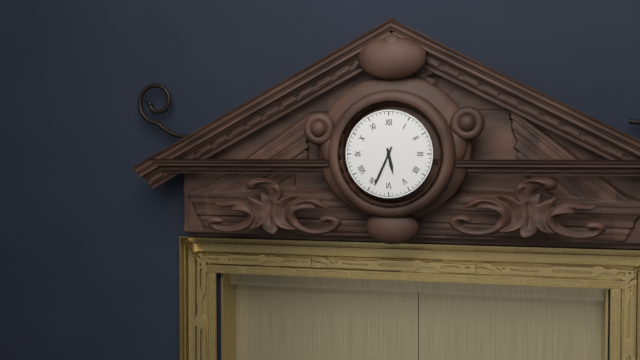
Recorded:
5,34
